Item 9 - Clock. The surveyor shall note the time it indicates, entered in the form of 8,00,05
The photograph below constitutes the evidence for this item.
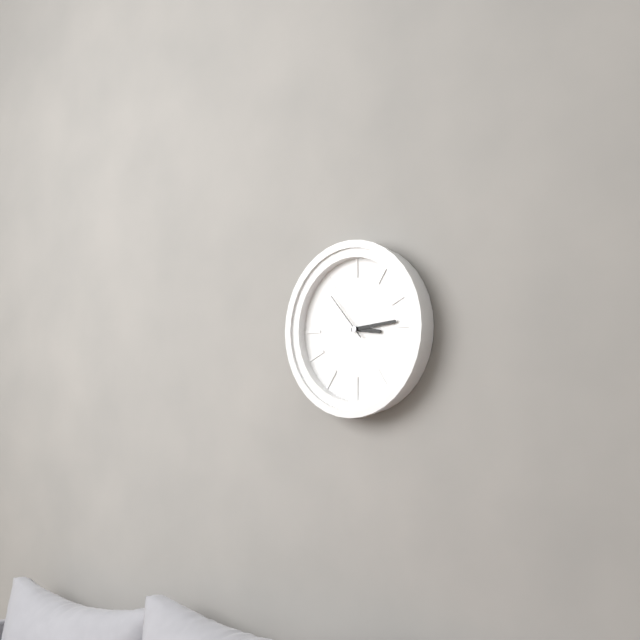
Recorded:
3,14,53
